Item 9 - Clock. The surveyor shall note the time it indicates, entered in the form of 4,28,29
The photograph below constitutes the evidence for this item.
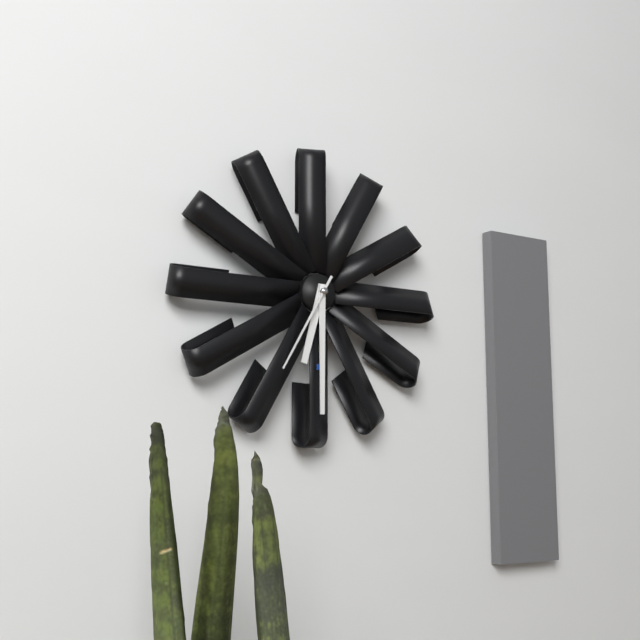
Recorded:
6,30,35
